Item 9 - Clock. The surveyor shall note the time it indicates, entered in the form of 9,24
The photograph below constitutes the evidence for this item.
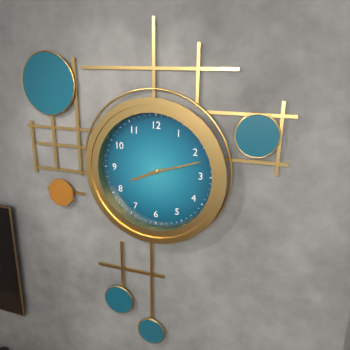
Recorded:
8,12
